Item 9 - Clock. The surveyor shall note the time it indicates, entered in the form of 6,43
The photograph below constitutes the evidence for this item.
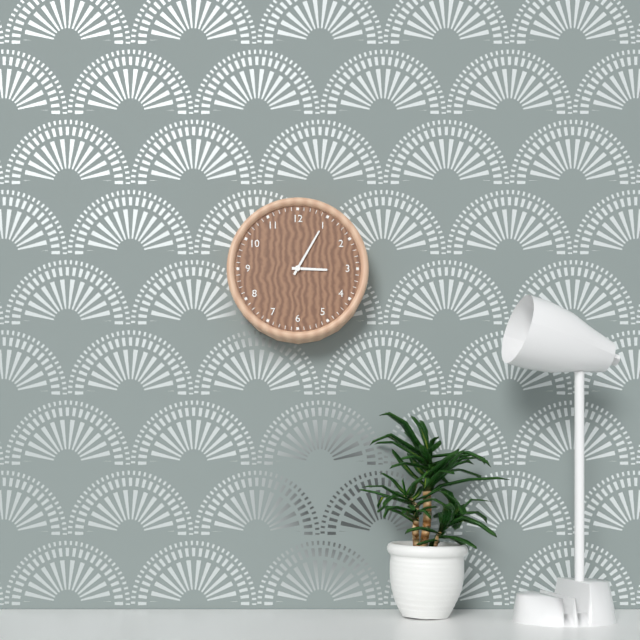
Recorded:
3,05
